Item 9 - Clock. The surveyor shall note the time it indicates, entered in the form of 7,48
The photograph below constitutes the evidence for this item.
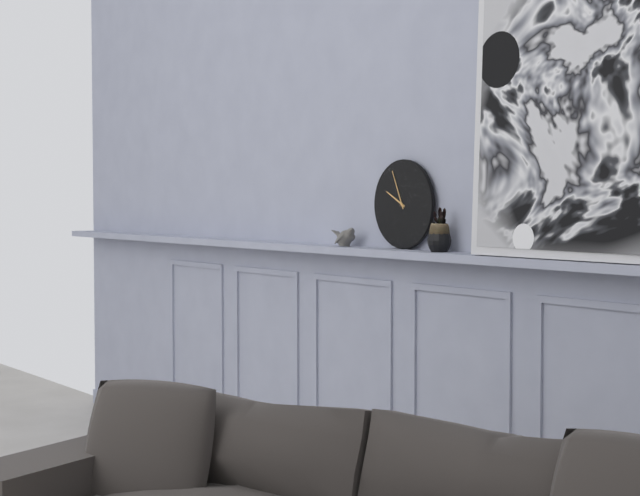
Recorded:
9,56
